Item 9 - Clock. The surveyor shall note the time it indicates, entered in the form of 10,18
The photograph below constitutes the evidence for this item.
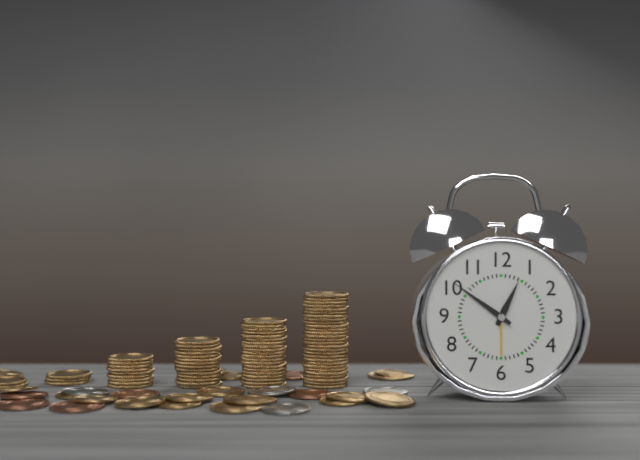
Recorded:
12,51
